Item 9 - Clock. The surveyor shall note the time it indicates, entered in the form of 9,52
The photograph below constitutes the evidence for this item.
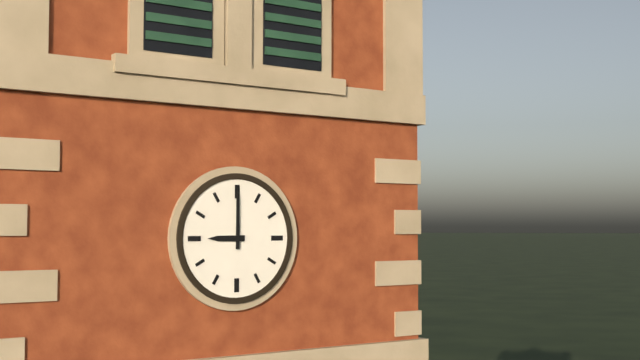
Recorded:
9,00
